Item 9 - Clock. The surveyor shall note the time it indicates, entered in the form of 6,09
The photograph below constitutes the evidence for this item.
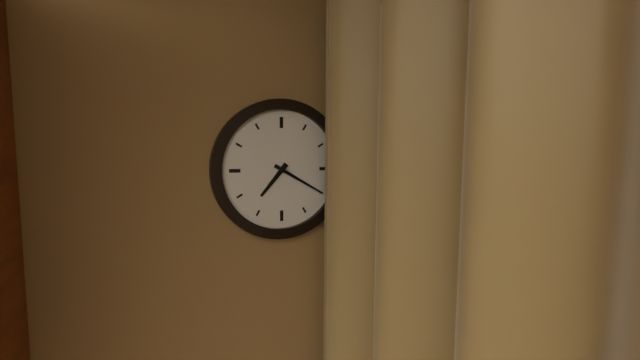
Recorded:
7,20
